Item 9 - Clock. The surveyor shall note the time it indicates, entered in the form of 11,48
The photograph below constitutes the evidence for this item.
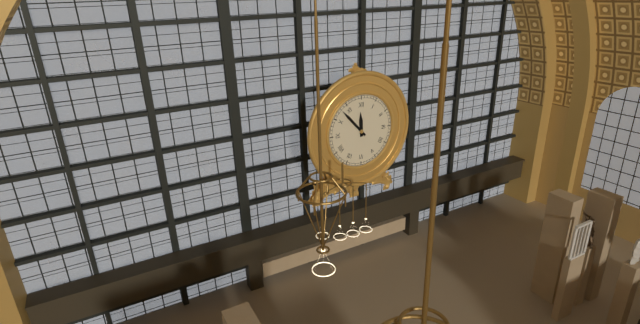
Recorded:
11,53
